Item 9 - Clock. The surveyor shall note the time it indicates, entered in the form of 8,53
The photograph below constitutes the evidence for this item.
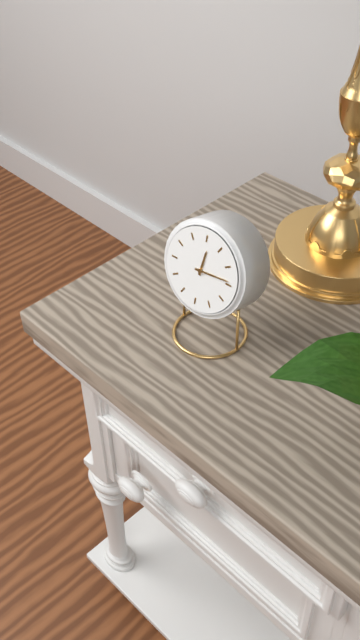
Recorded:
12,14
